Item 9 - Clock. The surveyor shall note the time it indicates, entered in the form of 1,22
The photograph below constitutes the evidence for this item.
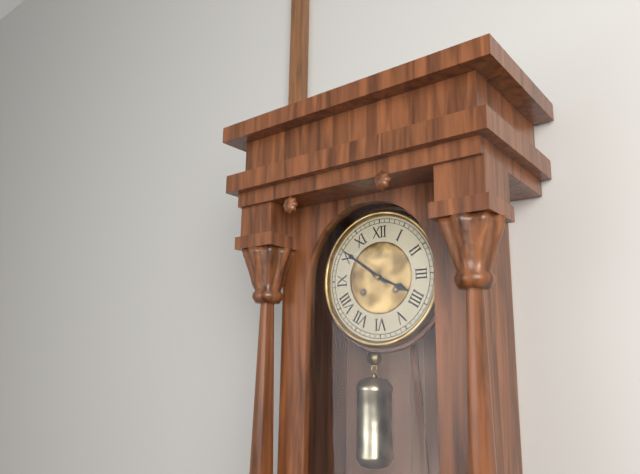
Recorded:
3,51
